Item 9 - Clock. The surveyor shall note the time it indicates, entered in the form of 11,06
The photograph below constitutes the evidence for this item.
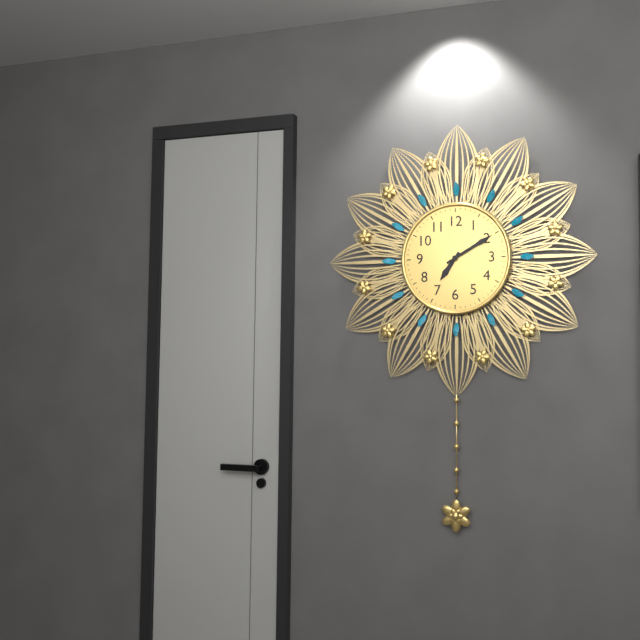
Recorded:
7,10
